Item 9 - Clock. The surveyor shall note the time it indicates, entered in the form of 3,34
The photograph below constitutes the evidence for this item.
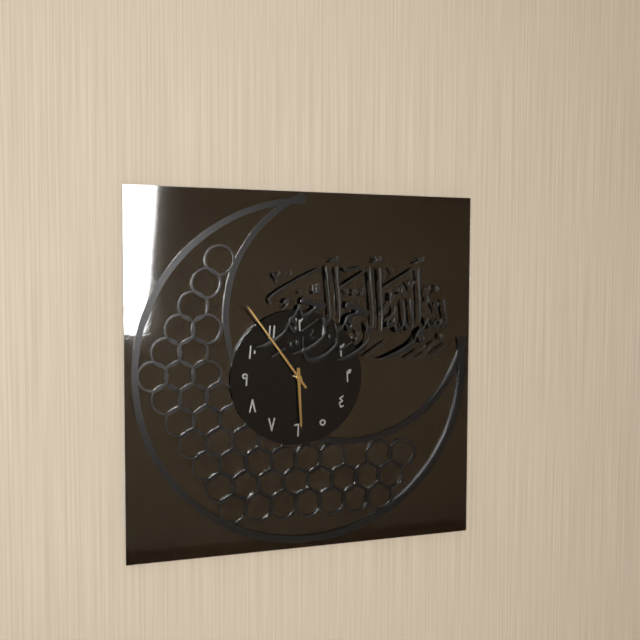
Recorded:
5,54
